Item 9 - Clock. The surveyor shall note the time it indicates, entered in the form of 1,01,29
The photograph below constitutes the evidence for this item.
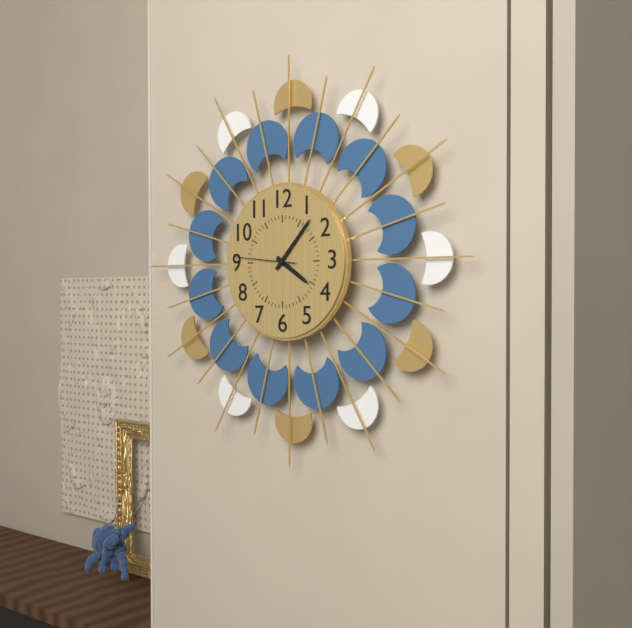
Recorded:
4,07,46
